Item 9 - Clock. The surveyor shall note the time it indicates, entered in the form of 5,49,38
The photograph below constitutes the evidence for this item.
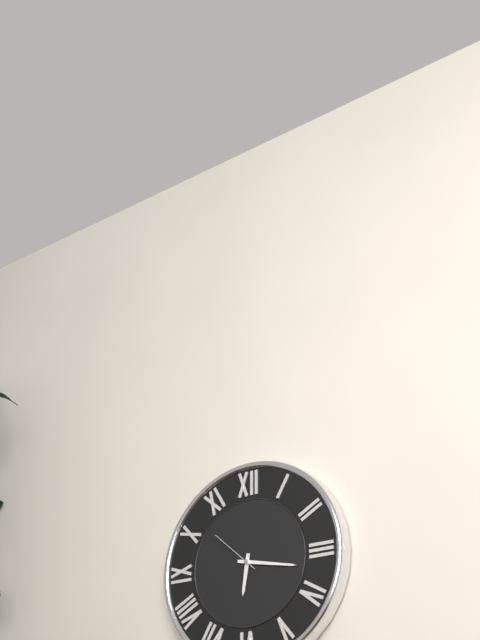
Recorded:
6,17,52
